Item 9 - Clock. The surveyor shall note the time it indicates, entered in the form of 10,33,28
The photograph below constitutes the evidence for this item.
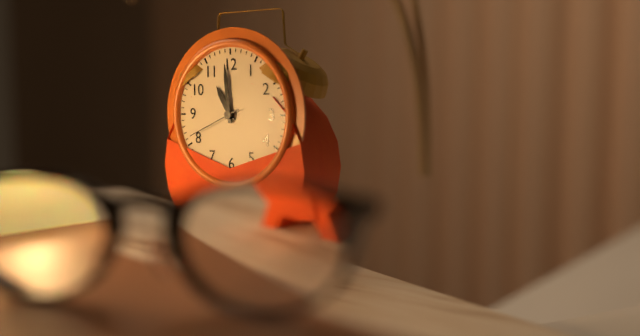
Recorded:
10,59,41
